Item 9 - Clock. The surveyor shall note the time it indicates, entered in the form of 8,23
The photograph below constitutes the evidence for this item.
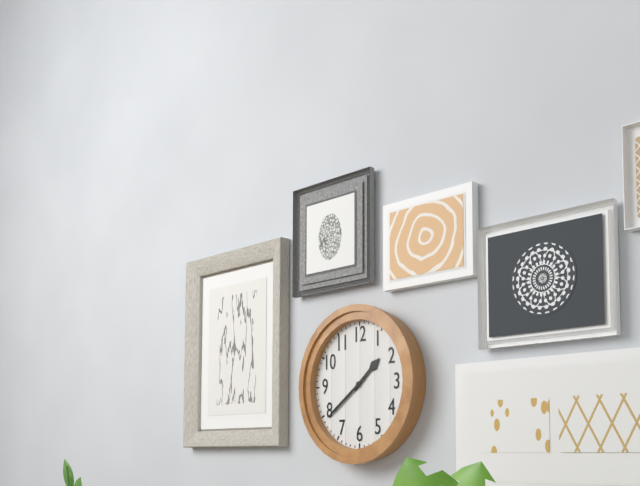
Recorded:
1,39
